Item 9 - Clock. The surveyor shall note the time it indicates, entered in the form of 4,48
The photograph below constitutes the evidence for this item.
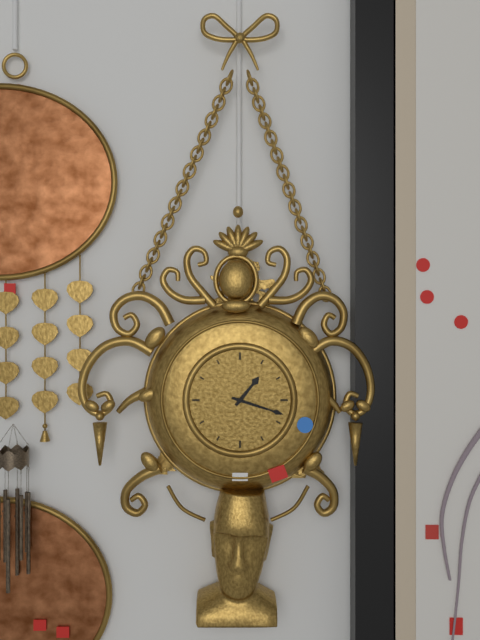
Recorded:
1,18
